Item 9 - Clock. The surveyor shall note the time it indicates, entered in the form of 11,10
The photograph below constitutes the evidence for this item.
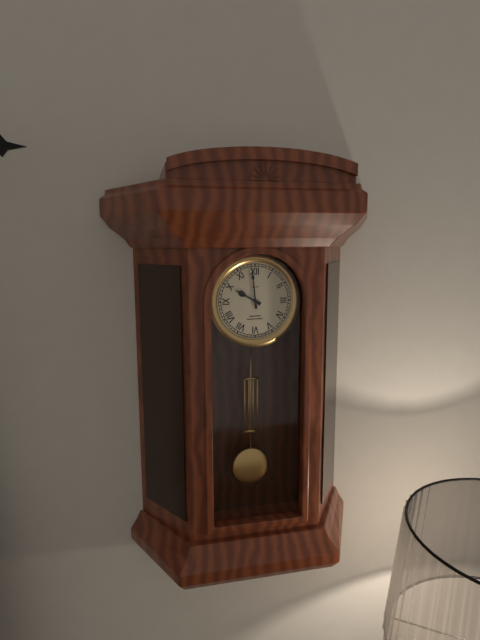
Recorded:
9,59
